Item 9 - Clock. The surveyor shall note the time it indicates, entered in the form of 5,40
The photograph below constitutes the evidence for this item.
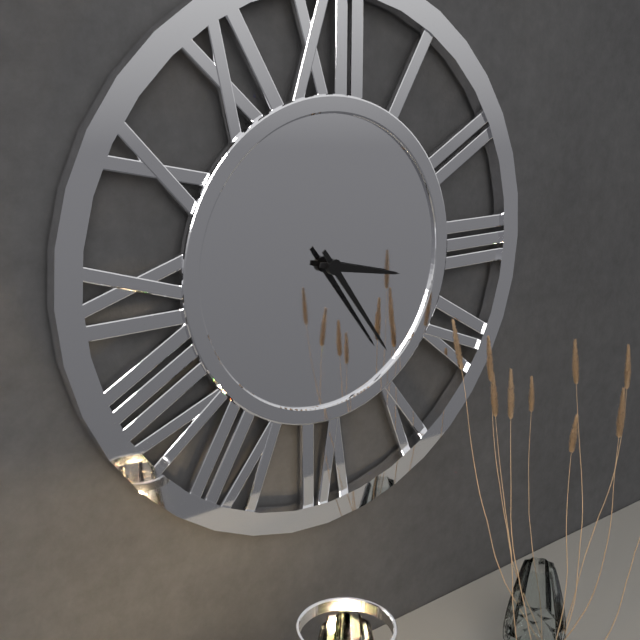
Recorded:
3,24
